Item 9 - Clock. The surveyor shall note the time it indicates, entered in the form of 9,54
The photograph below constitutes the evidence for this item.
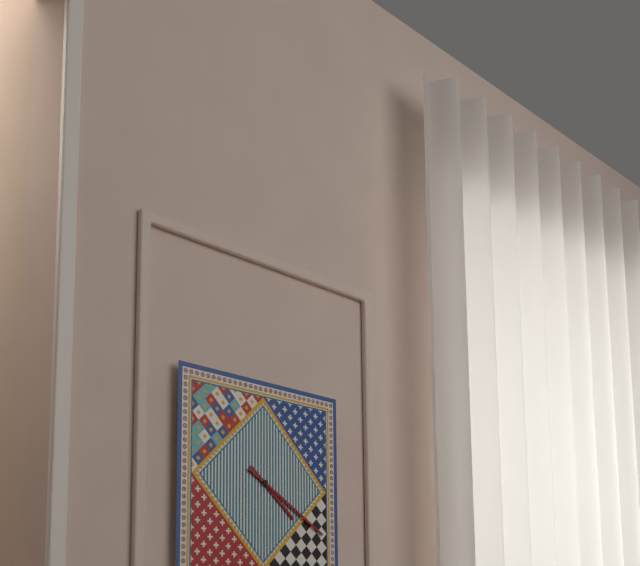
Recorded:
4,20
